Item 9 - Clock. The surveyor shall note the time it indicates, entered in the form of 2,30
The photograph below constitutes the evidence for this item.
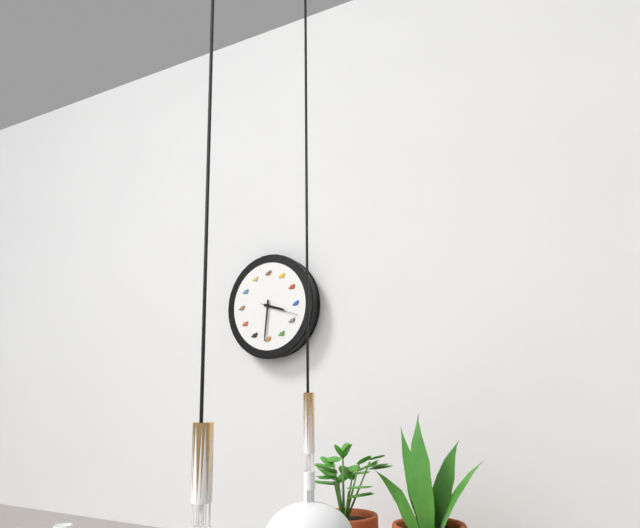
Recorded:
3,31
